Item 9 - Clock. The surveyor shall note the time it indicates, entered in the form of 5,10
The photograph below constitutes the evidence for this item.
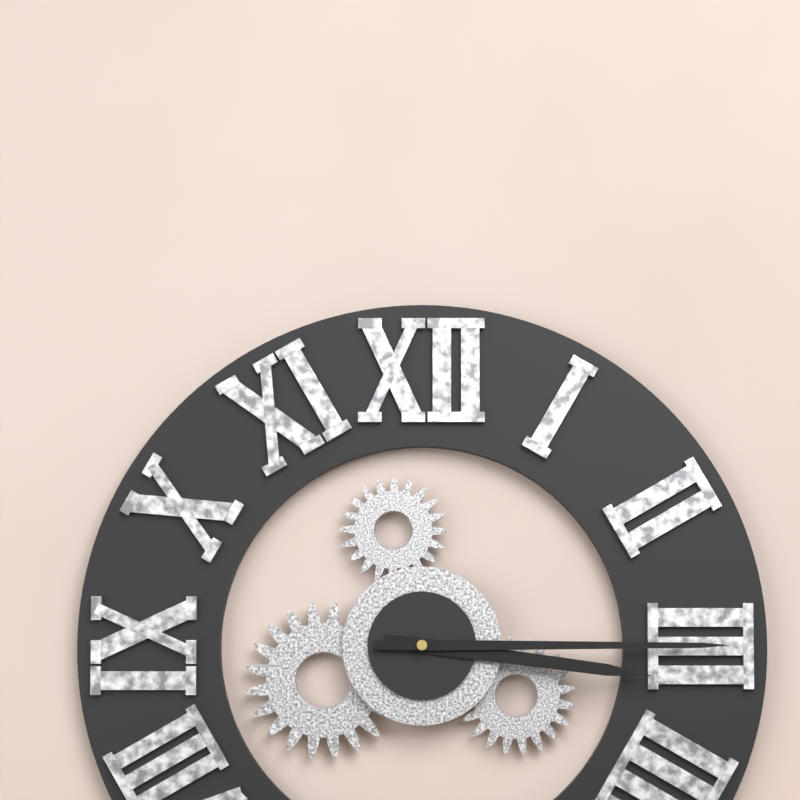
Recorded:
3,15
